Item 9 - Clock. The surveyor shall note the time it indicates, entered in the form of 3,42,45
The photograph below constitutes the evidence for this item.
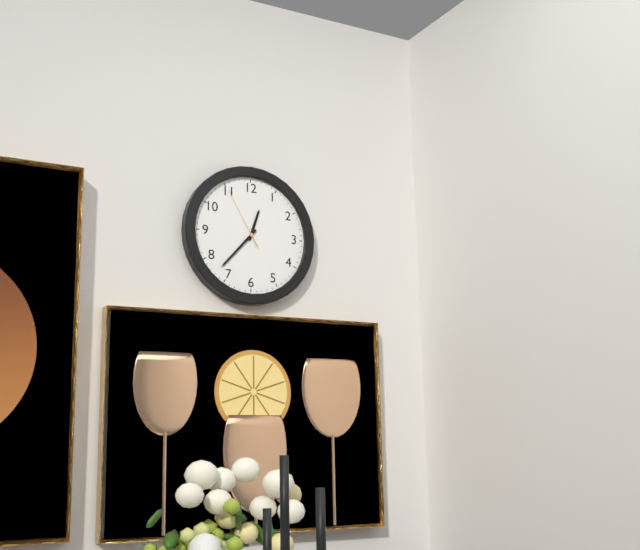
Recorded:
12,37,55
